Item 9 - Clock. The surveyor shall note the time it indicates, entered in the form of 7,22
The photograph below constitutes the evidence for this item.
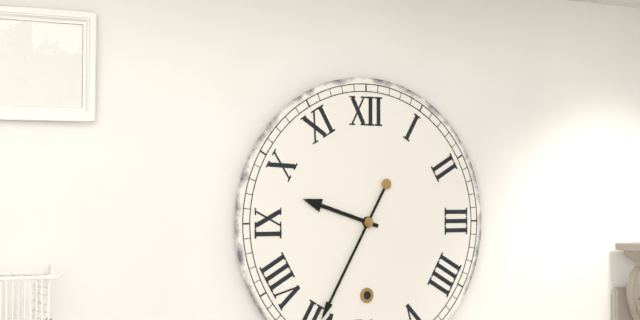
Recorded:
9,35
